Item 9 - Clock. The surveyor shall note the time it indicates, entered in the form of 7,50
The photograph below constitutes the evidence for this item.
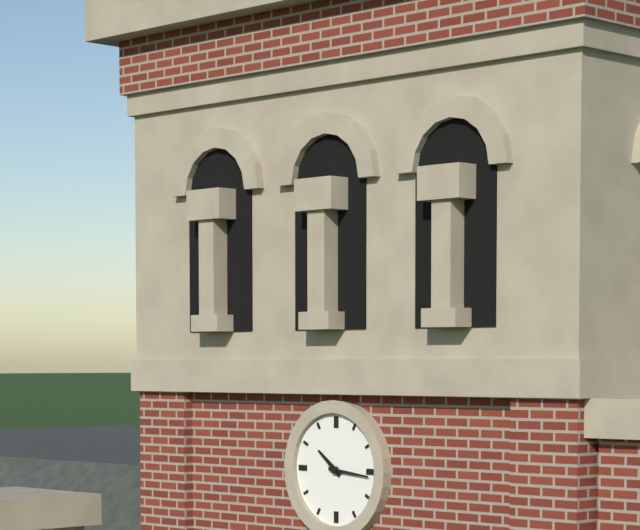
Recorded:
10,16
